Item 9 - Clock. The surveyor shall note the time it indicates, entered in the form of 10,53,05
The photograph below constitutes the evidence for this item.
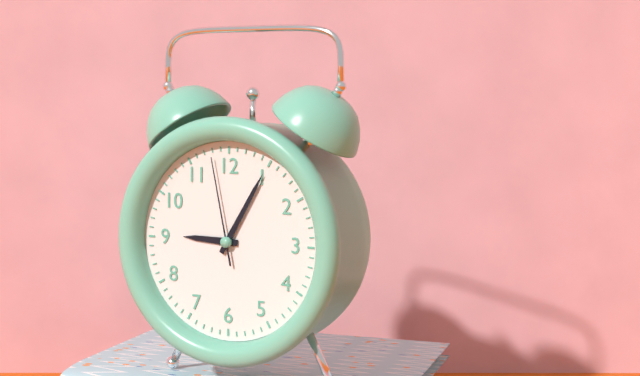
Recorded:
9,05,58
